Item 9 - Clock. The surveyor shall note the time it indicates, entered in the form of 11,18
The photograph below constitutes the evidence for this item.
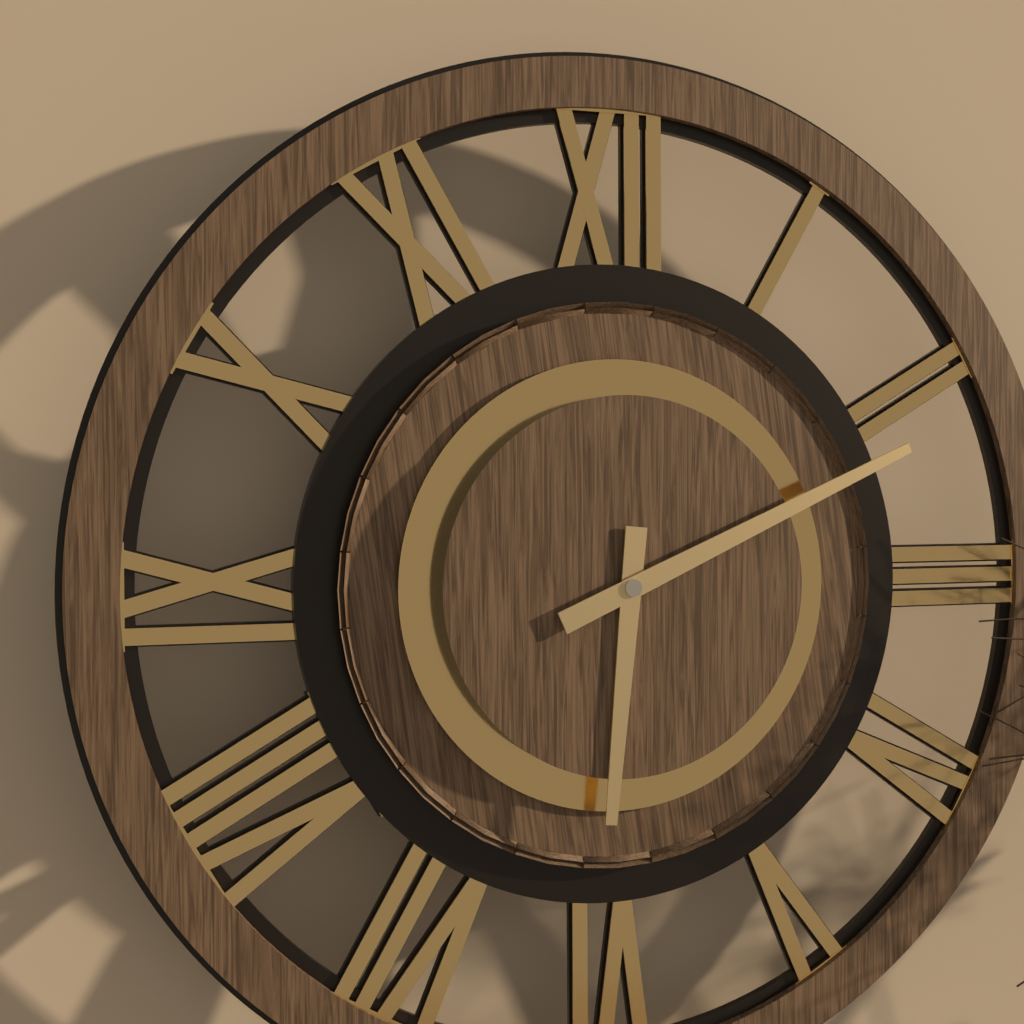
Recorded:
6,11
